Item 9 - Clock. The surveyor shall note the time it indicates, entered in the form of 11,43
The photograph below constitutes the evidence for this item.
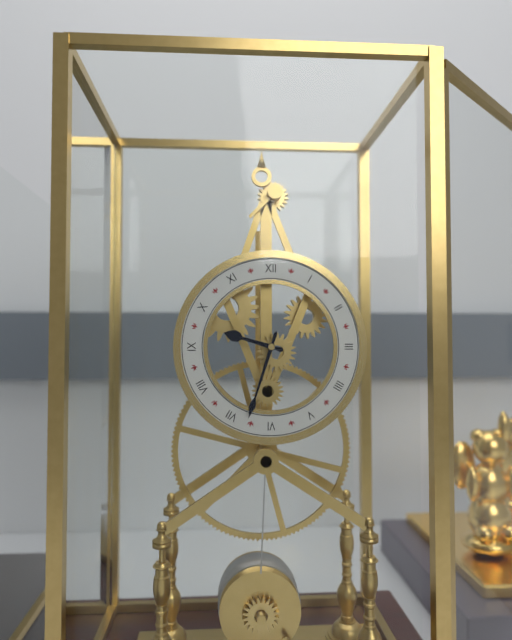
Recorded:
9,33
